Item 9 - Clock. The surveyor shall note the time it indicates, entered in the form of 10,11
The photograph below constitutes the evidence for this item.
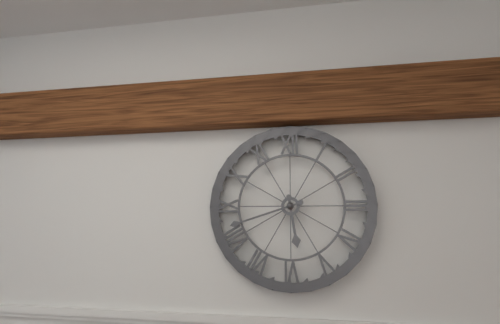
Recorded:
5,42
